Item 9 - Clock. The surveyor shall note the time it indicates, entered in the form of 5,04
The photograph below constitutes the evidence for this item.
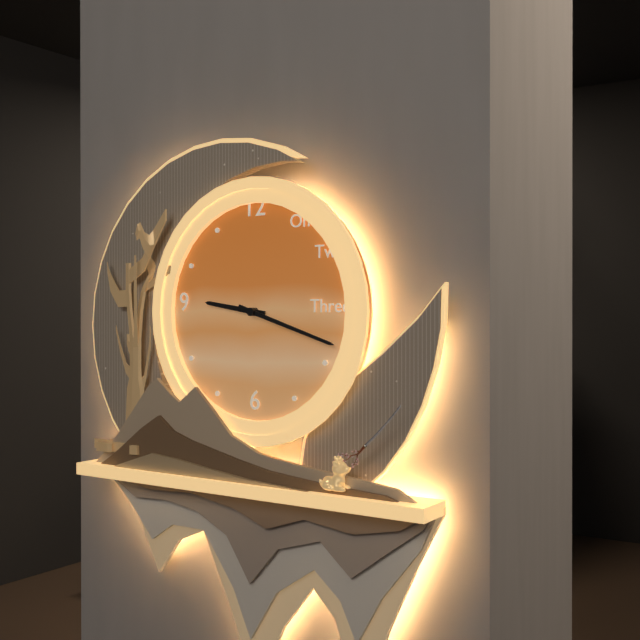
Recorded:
9,18
